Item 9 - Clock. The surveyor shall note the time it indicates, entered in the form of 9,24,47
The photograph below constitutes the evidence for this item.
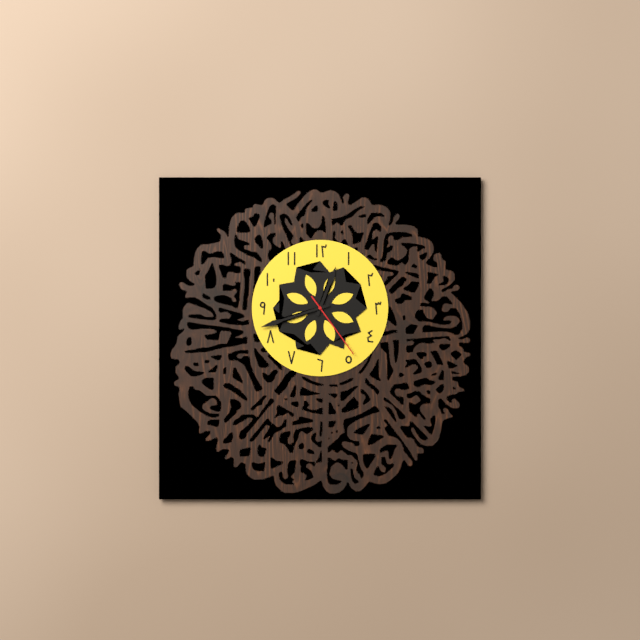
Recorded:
12,42,24
